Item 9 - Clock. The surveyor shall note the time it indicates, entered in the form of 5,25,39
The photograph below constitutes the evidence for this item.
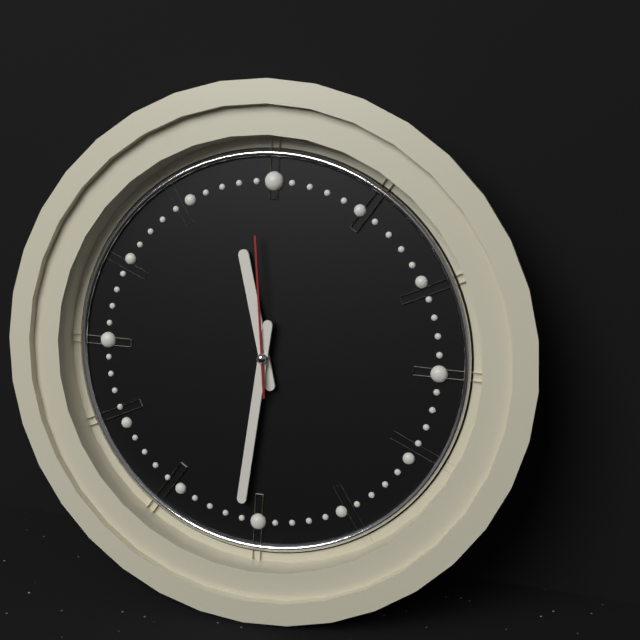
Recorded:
11,31,59
